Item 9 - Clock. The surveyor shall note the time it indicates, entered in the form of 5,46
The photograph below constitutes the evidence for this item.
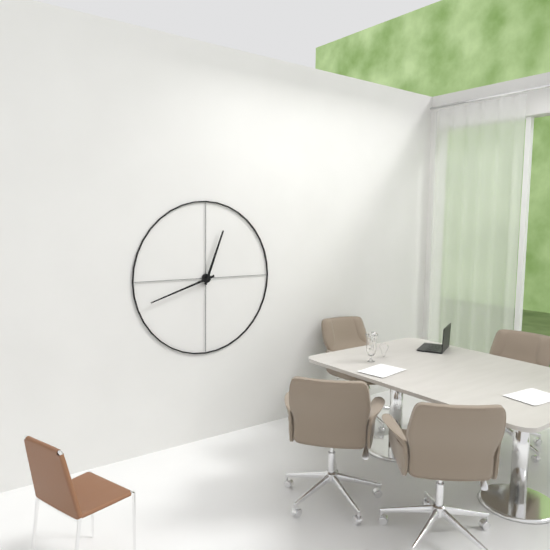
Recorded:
12,42
